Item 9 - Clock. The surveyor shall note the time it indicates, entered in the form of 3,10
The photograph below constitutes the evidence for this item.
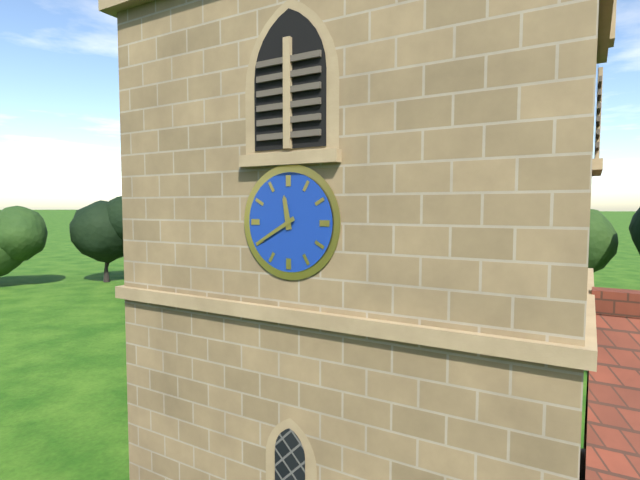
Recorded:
11,40
